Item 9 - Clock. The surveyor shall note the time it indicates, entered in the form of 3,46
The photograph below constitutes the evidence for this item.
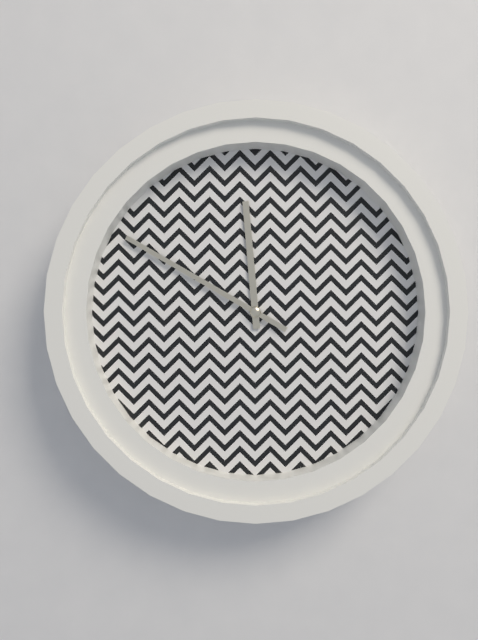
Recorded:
11,50
